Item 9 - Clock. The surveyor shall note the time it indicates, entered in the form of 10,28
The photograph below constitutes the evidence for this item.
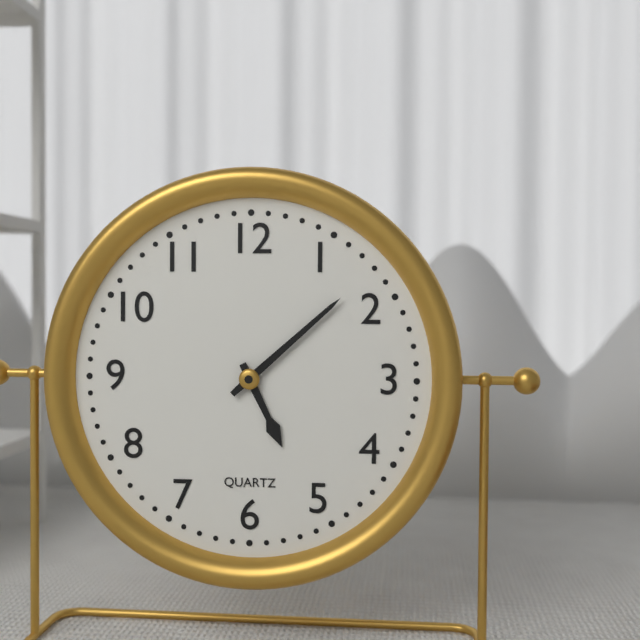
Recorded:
5,08
